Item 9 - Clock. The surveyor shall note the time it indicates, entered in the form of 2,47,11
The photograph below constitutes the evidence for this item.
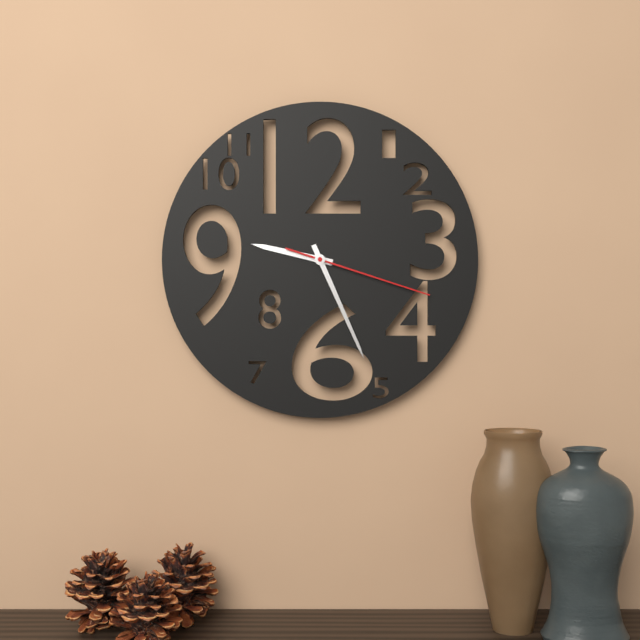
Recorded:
9,26,18
